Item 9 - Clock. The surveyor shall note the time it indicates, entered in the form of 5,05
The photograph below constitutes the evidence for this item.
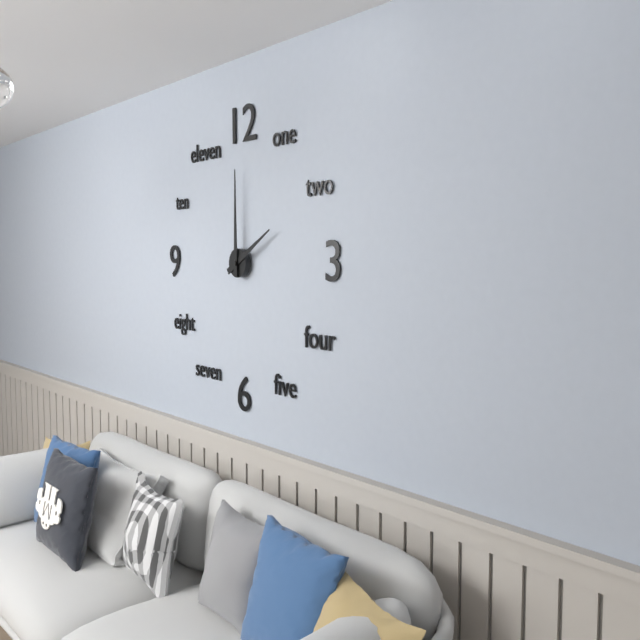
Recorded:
2,00
